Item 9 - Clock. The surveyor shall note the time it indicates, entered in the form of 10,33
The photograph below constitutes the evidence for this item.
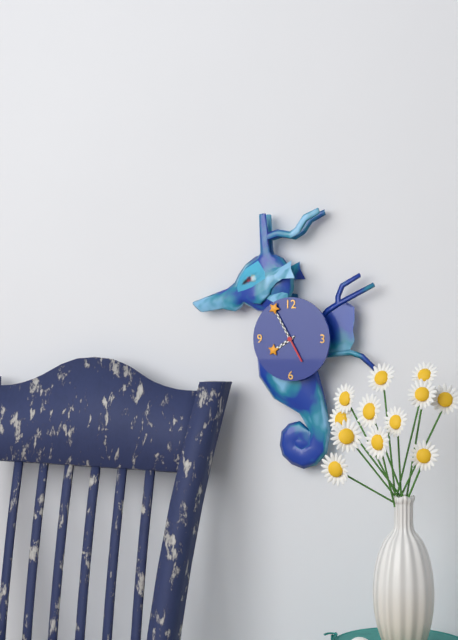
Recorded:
7,55
